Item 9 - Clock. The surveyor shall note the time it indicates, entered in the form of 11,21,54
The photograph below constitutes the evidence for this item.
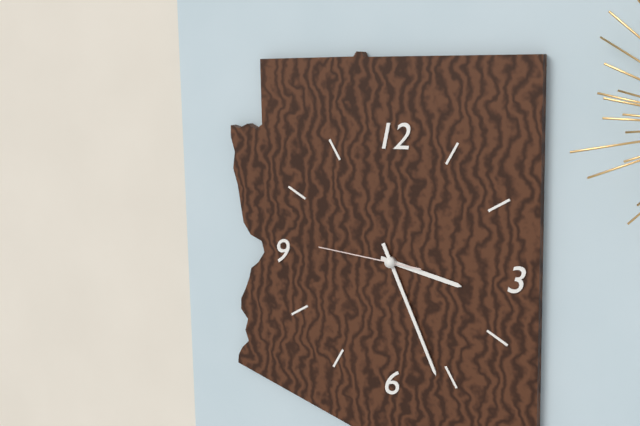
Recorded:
3,26,46
